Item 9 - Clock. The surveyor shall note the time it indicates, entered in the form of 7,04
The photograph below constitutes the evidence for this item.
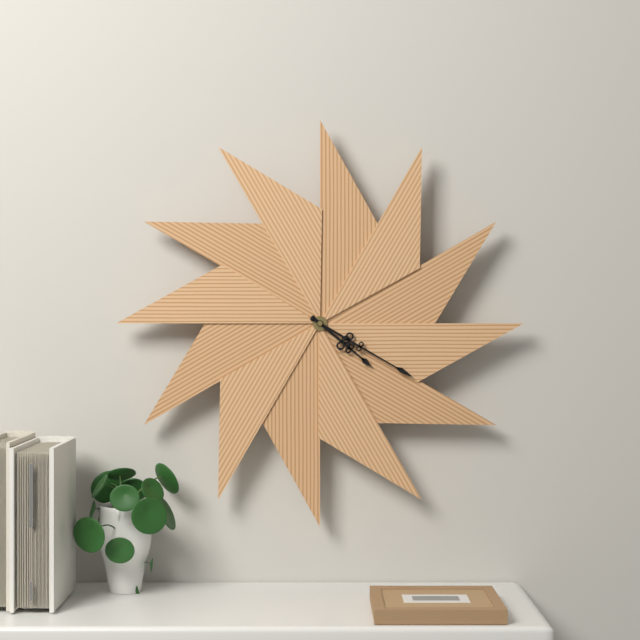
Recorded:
4,20
